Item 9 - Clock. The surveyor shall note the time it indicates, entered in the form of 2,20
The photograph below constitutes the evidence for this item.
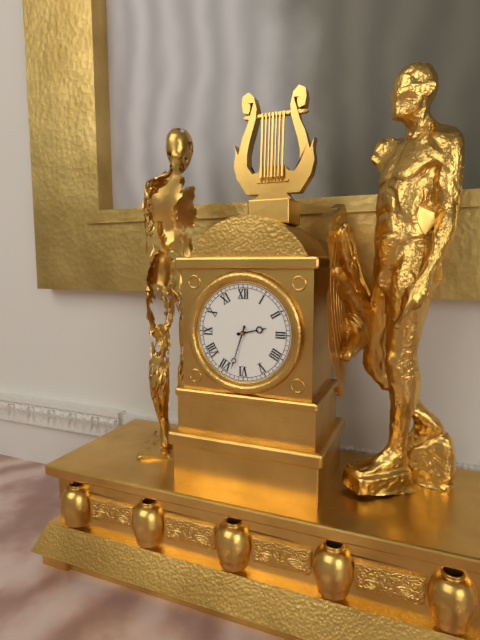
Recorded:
2,33
